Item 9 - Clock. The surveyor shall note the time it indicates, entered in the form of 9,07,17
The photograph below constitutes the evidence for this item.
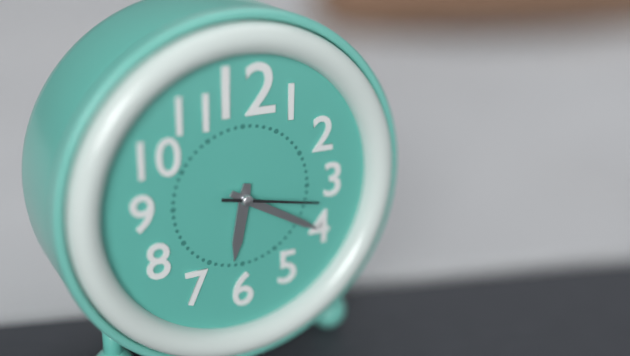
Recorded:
6,20,17
